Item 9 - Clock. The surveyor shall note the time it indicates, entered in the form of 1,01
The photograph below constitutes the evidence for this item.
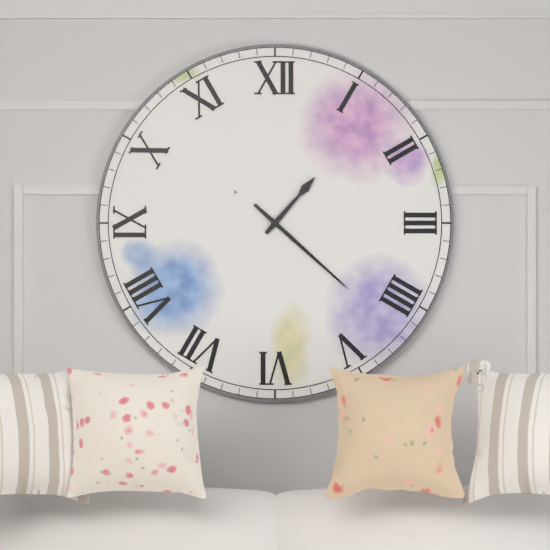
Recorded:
1,22
